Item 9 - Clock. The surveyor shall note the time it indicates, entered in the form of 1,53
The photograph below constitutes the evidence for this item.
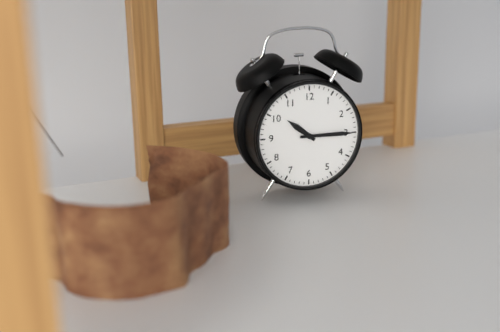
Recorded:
10,15
